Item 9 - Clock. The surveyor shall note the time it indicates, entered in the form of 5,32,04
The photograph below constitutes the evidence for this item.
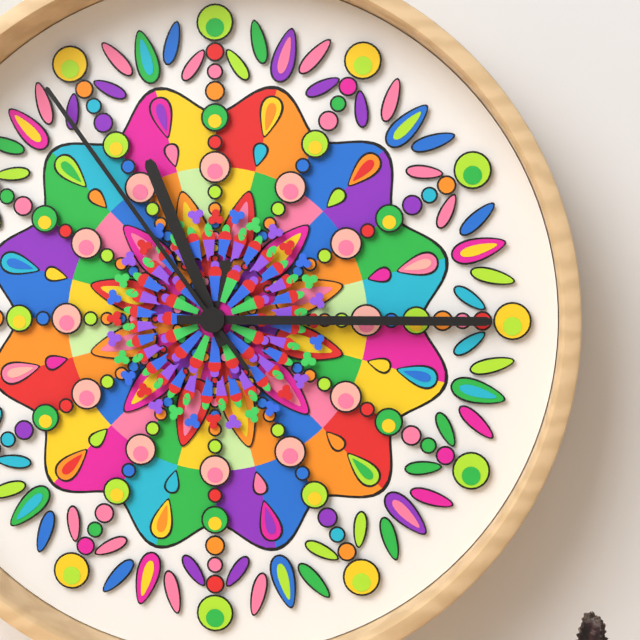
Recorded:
11,15,54
